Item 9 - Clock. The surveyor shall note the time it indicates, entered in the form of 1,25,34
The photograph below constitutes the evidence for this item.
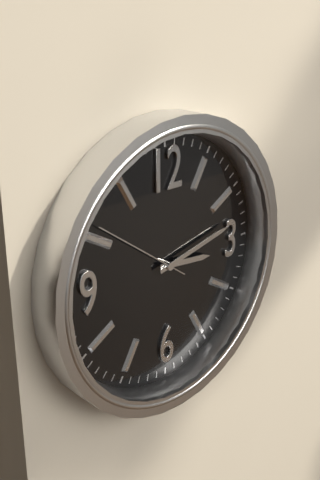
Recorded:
3,13,51
